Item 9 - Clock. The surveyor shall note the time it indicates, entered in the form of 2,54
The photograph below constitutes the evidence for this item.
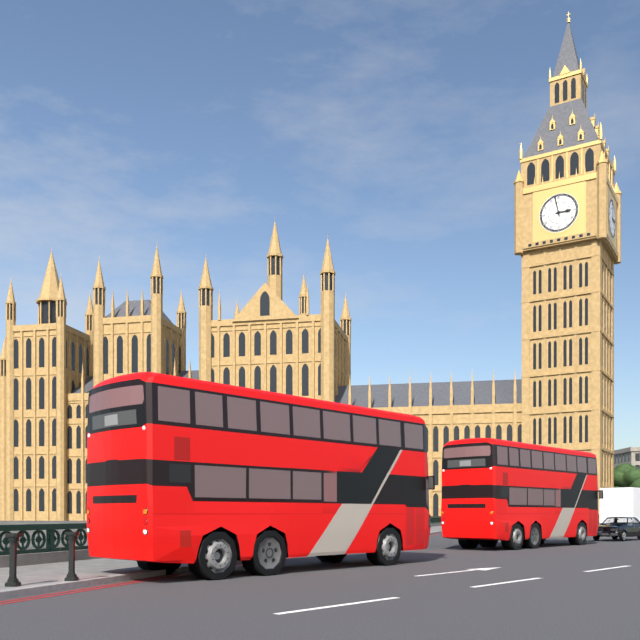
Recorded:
2,58
